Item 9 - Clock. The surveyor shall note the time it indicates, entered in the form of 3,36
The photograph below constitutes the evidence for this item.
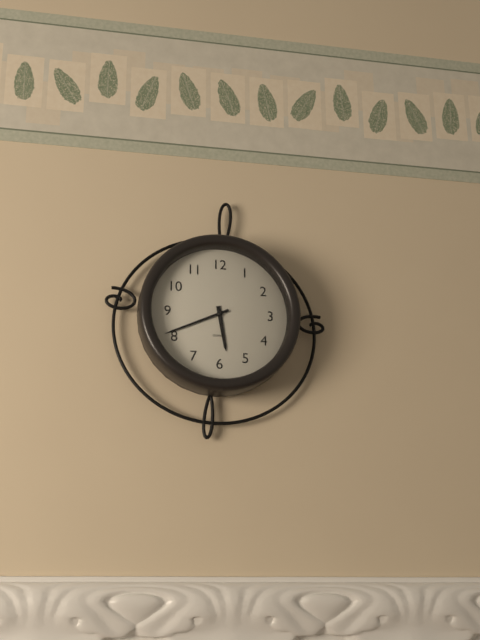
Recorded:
5,41
